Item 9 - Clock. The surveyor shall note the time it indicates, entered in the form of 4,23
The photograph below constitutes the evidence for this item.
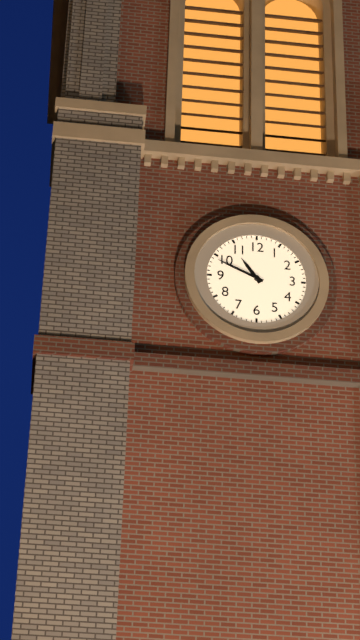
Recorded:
10,49
